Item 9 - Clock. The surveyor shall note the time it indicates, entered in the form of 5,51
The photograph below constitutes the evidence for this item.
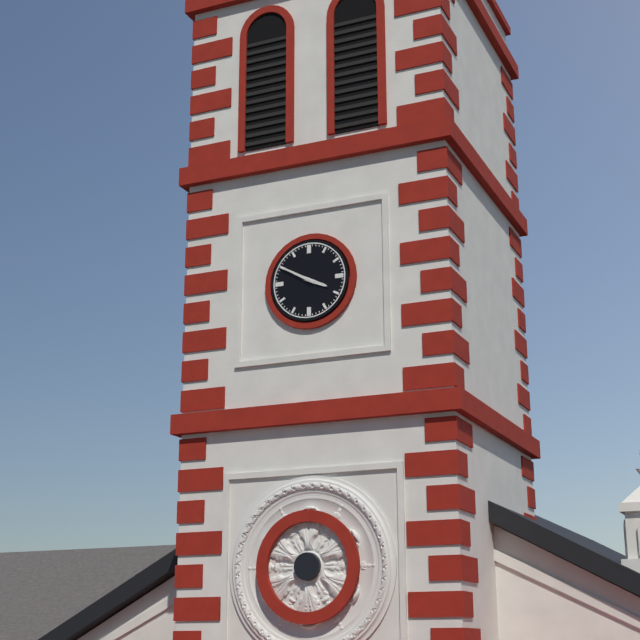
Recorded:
3,50
